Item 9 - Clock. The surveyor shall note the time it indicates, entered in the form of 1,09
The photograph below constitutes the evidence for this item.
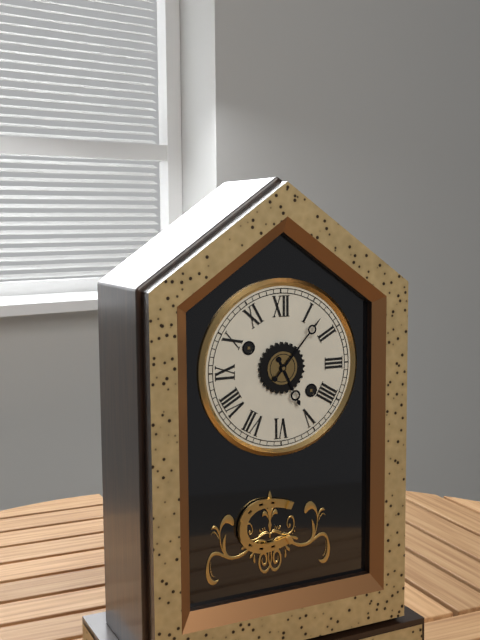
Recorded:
5,07
